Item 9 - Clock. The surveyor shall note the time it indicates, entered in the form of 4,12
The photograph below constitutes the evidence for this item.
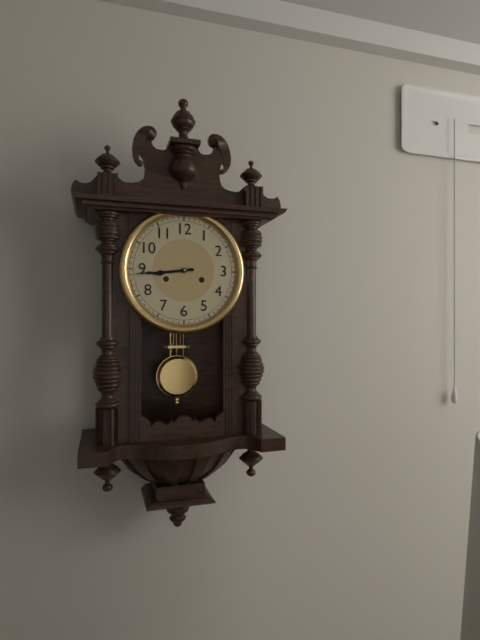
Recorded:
8,44
